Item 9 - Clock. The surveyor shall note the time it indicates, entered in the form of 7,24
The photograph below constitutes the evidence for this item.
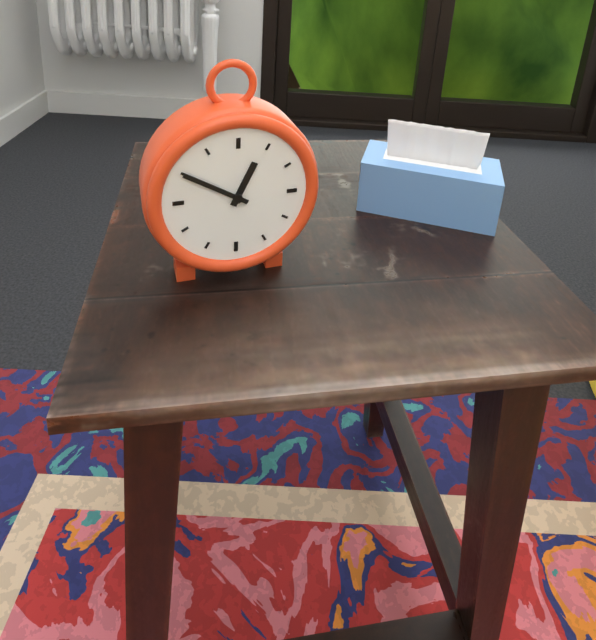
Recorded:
12,50
